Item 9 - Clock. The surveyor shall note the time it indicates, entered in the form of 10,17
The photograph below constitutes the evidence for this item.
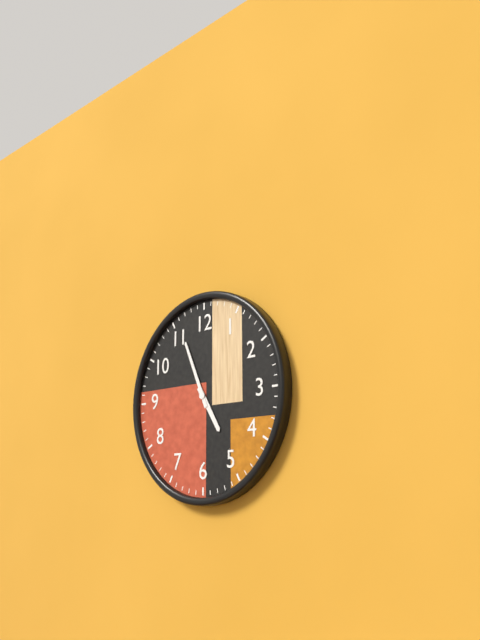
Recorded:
4,56
